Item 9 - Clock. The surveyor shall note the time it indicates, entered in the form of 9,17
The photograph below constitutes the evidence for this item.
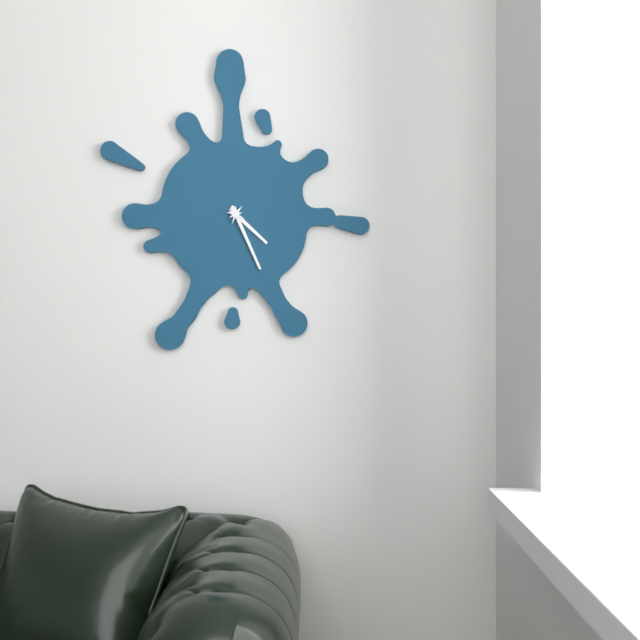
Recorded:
4,26
